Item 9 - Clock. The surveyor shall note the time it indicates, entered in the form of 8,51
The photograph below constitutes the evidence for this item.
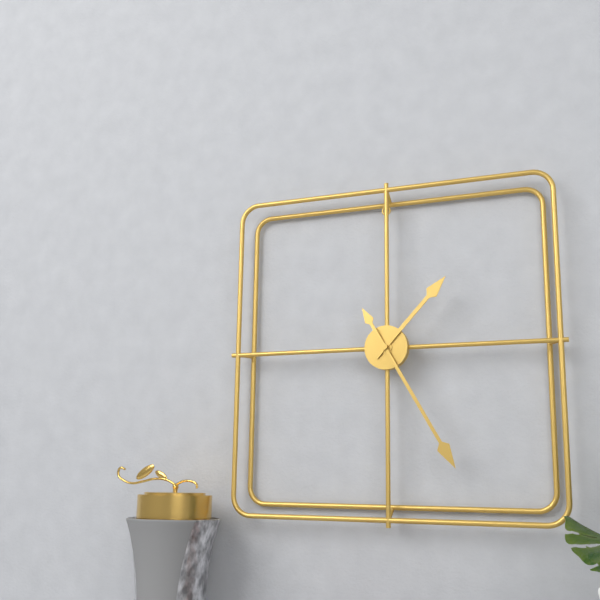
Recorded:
1,25
